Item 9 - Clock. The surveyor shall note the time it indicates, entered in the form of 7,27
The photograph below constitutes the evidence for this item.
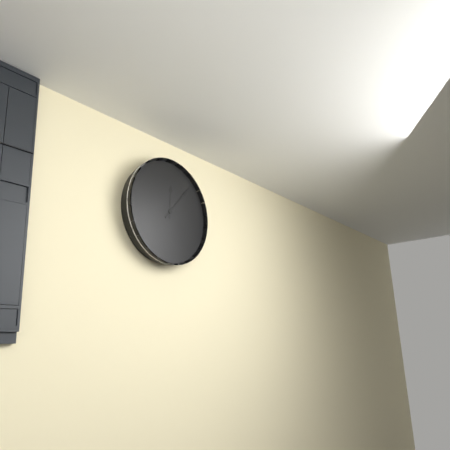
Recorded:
12,07
